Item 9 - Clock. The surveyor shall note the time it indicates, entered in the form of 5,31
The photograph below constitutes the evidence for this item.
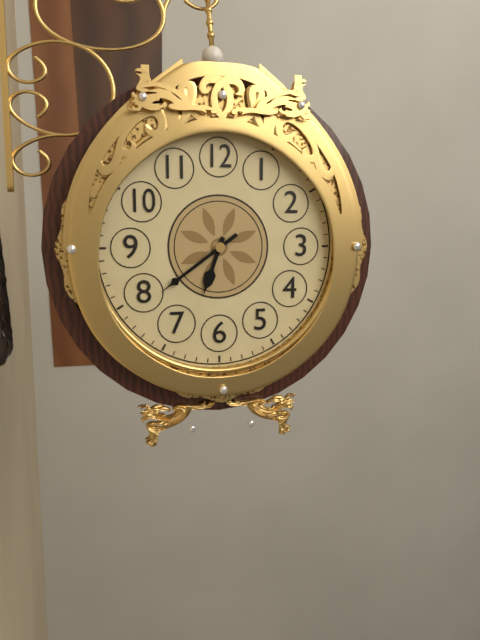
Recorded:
6,39
